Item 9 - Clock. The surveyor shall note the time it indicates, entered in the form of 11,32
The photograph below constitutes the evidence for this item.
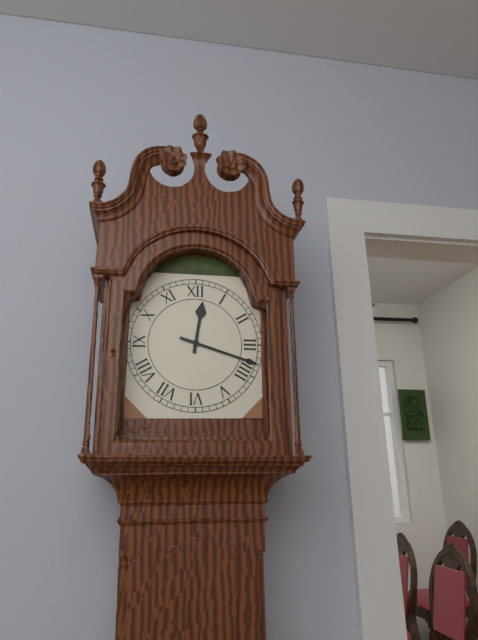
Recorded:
12,18
